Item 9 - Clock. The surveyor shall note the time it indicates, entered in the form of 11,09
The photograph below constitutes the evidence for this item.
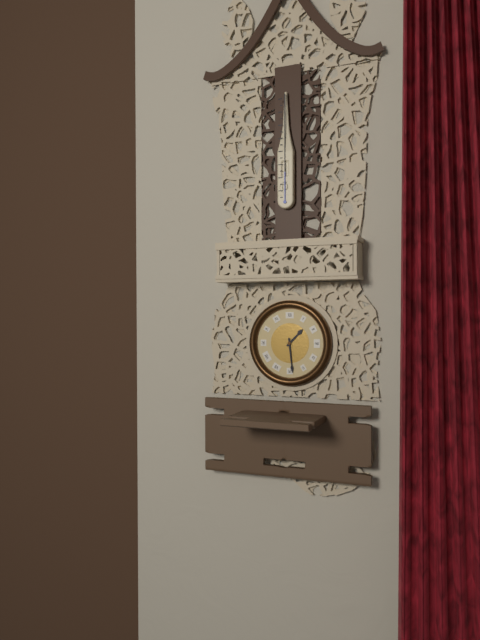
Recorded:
1,29
